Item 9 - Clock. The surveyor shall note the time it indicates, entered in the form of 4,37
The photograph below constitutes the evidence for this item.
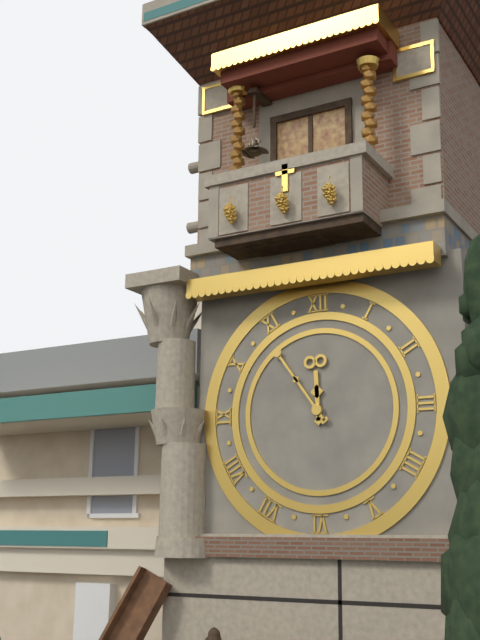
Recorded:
11,54
